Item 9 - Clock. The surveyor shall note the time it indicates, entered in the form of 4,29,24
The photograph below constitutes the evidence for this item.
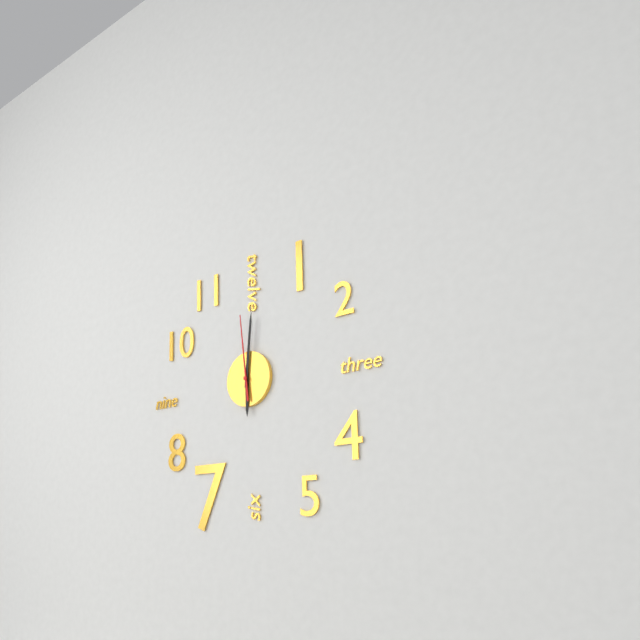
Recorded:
6,01,59
